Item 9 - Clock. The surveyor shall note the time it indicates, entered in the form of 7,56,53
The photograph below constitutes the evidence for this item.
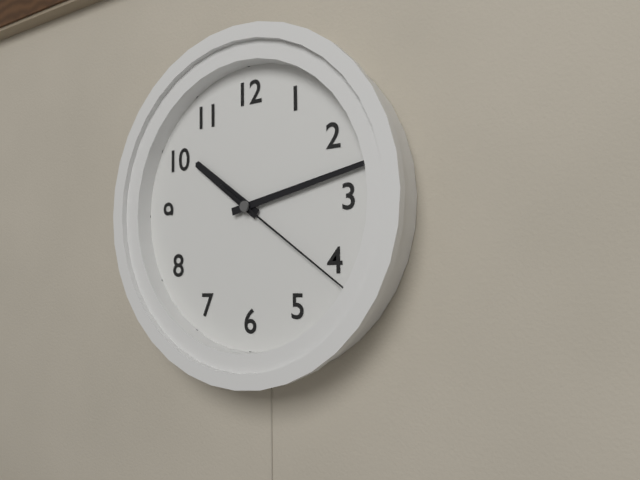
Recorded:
10,13,21
